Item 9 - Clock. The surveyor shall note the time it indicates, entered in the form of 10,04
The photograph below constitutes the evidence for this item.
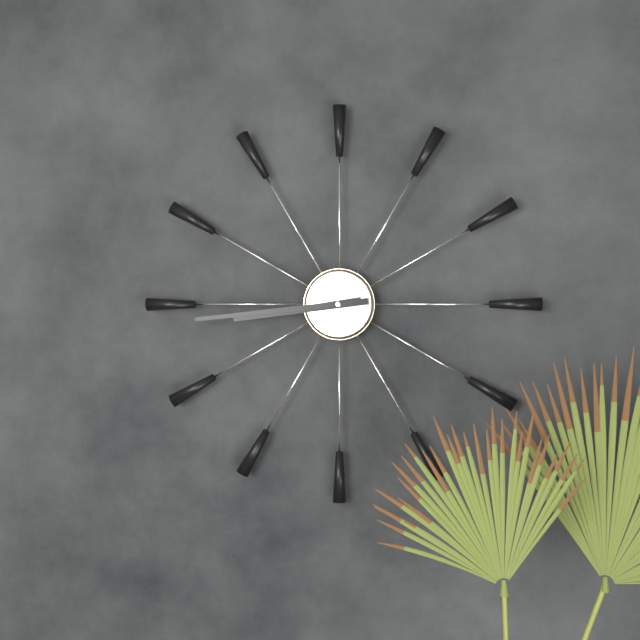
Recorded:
8,44
